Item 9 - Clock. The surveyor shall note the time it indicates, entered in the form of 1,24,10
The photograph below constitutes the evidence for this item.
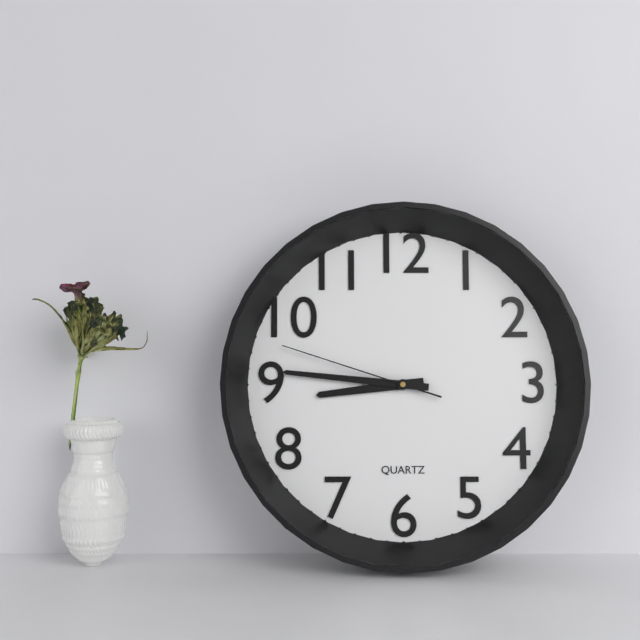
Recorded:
8,46,48
